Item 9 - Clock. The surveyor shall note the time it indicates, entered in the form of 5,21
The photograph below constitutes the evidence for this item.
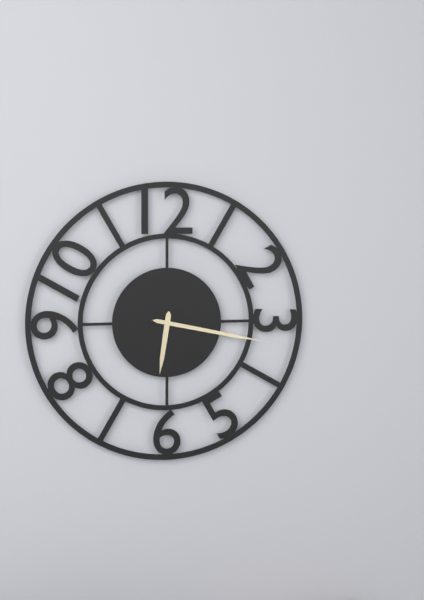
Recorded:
6,17
